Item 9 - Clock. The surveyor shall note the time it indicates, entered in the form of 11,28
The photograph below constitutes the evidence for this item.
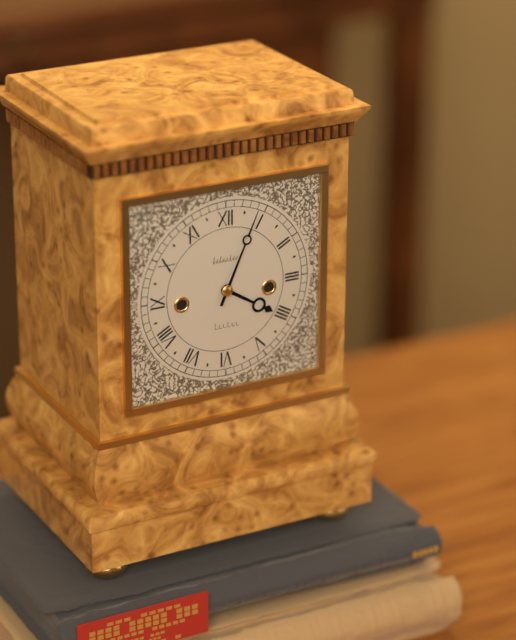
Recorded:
4,04
